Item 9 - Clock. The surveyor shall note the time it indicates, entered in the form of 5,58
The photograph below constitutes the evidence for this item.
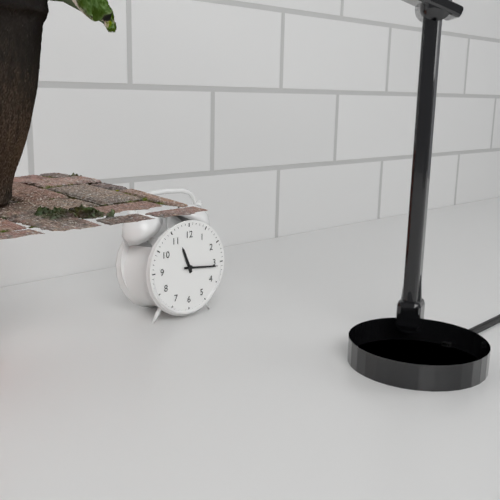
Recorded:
11,16
